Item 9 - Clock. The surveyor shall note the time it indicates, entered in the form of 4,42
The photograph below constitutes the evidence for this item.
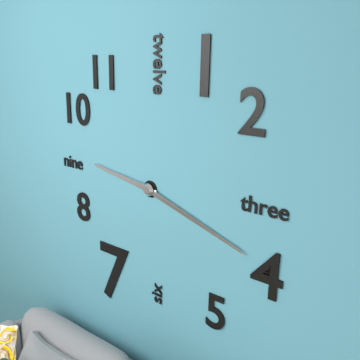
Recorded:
9,18
